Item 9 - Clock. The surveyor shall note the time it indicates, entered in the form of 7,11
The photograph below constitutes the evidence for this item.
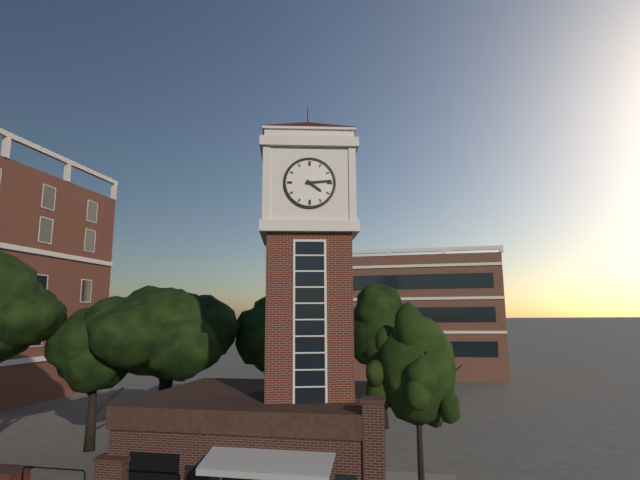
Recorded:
4,14
